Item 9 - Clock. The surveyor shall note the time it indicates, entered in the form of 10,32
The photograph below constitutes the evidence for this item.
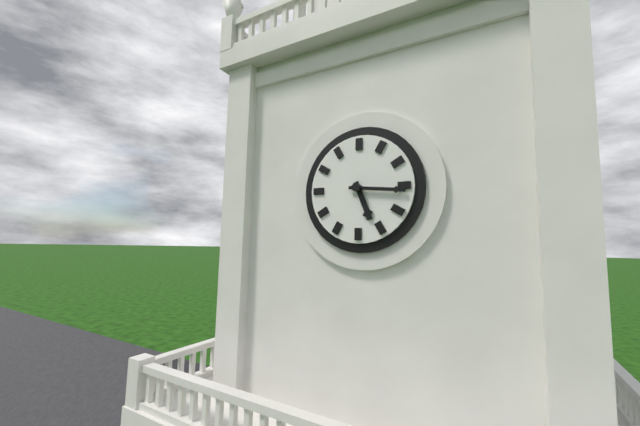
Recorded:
5,16
